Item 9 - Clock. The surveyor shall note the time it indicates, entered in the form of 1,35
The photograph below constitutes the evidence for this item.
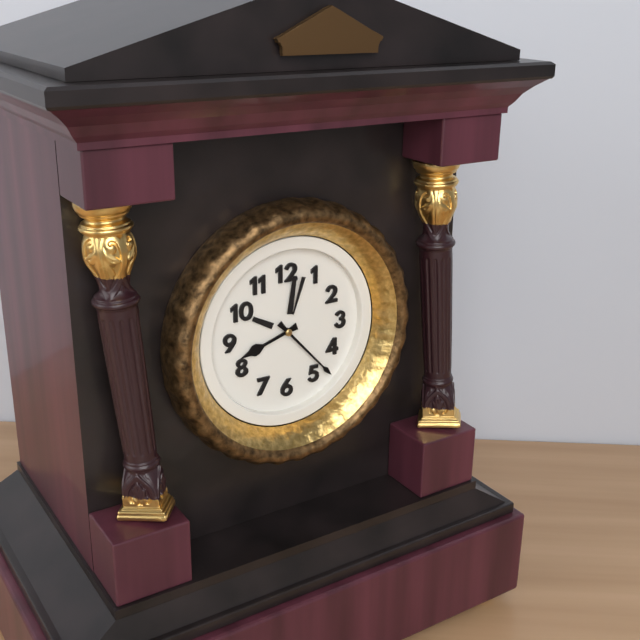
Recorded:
8,23
